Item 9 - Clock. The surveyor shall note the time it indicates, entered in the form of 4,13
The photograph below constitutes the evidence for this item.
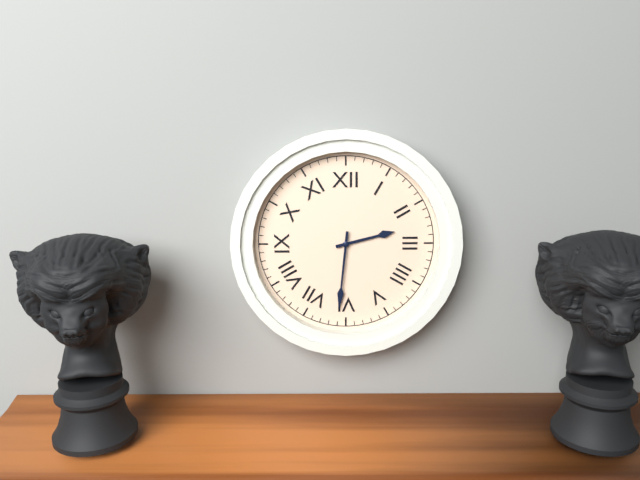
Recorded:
2,31
